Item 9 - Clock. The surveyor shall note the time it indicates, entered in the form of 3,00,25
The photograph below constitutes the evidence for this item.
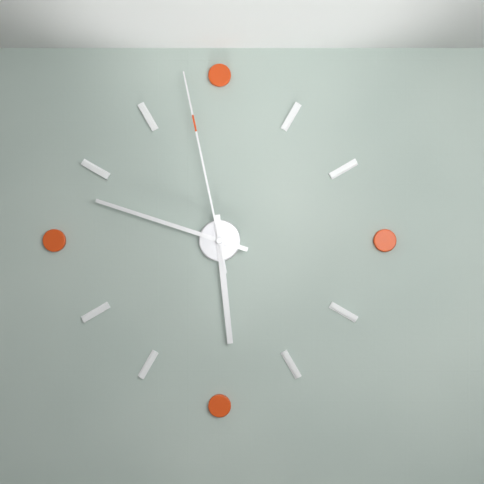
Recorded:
5,48,58
